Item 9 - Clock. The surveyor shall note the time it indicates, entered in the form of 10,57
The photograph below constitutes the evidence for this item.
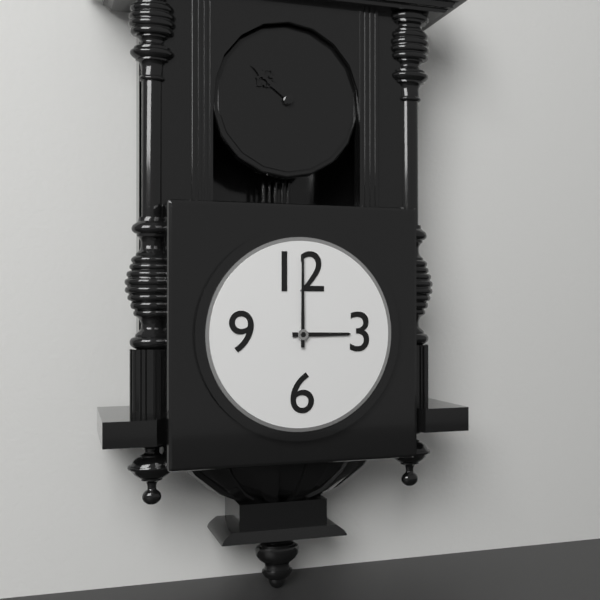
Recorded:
3,00
